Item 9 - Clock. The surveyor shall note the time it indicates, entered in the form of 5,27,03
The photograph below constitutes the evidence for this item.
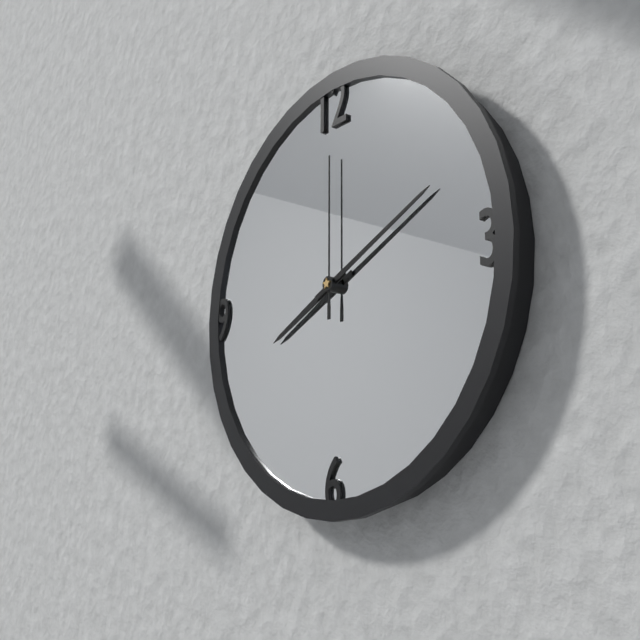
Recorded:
8,11,00
